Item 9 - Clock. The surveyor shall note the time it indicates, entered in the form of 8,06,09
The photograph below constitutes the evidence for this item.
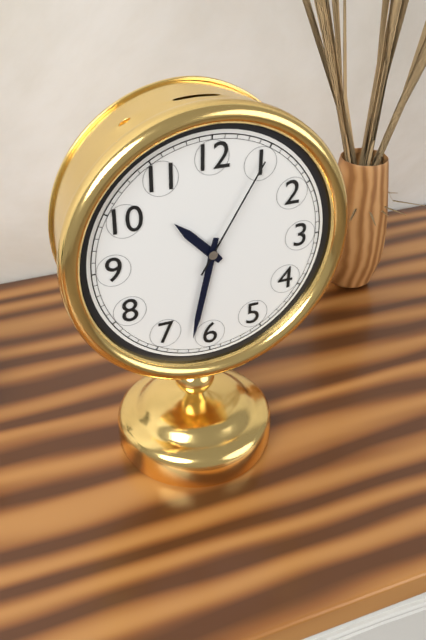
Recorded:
10,32,05
